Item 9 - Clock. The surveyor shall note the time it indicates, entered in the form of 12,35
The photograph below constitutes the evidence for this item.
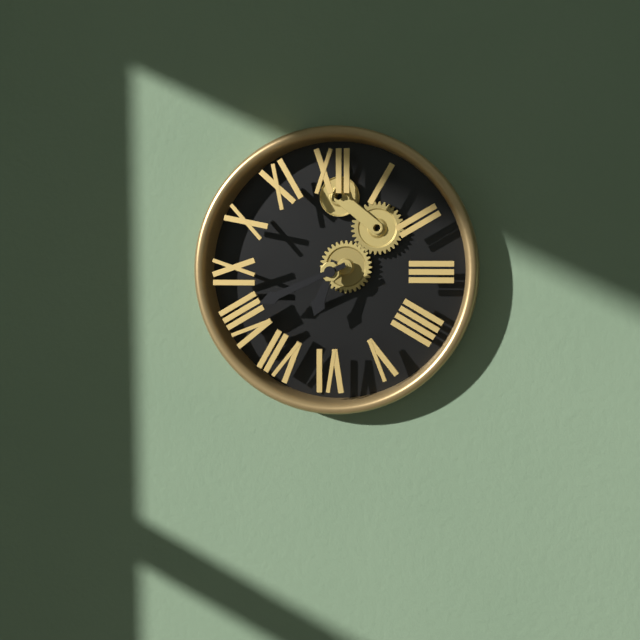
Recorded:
6,41
